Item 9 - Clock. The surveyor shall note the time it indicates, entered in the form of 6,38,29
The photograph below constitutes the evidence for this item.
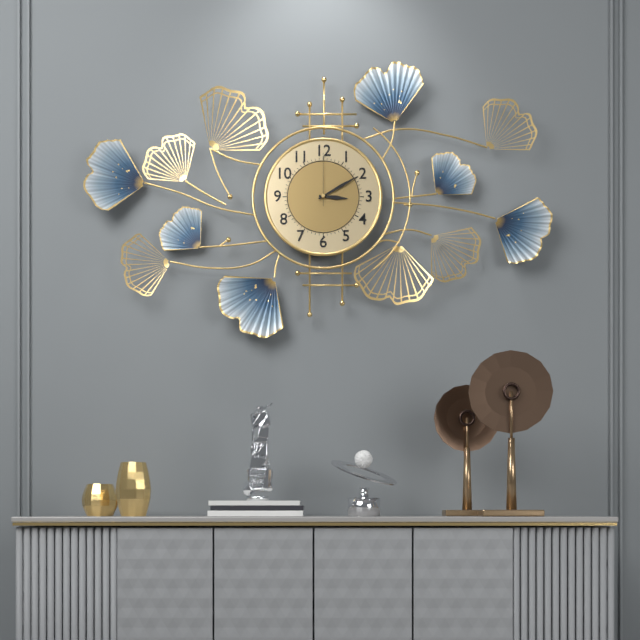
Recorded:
3,10,00
